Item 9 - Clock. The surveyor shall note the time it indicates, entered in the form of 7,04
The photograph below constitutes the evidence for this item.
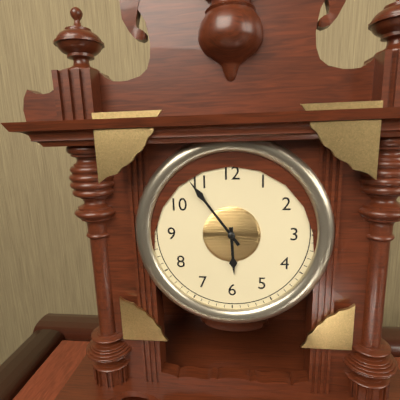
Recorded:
5,54
